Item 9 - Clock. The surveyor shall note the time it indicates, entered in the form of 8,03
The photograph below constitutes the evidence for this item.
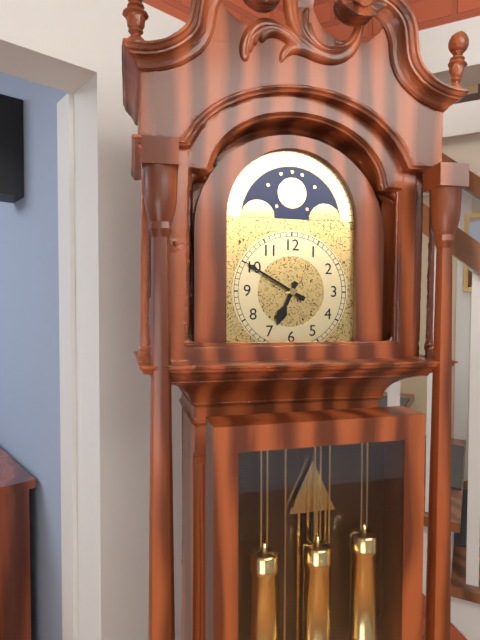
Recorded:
6,50
